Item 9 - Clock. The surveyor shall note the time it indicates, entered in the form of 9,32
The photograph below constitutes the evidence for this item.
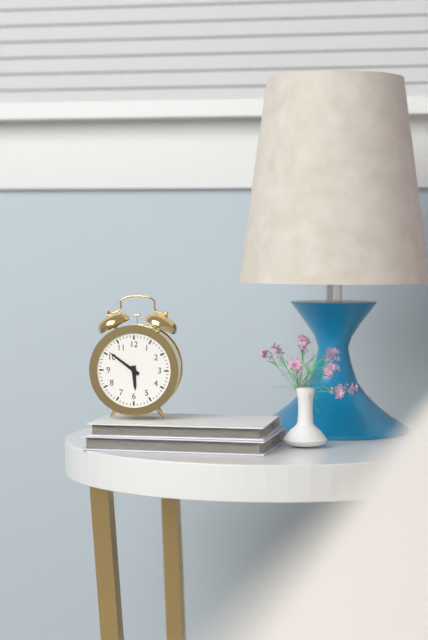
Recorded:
5,51
